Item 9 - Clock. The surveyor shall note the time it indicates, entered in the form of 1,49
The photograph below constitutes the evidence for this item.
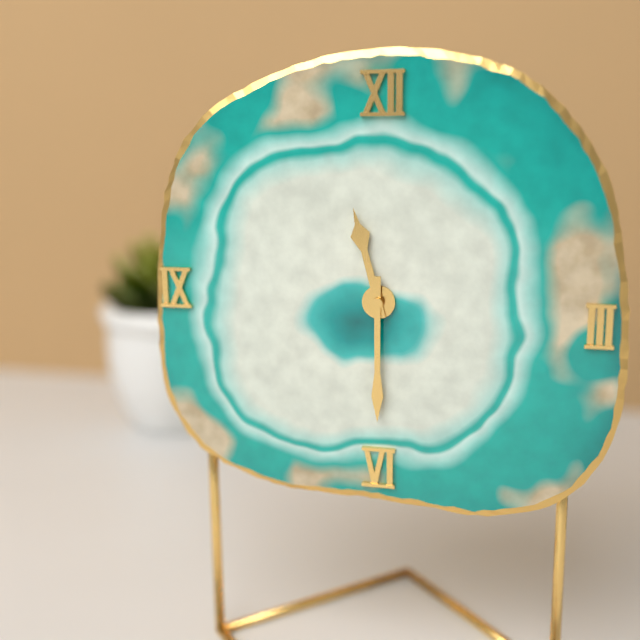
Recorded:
11,30
